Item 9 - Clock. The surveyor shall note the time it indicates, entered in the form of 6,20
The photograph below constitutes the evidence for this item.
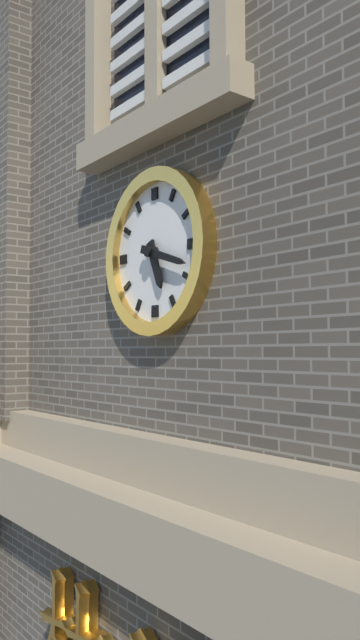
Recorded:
5,18
